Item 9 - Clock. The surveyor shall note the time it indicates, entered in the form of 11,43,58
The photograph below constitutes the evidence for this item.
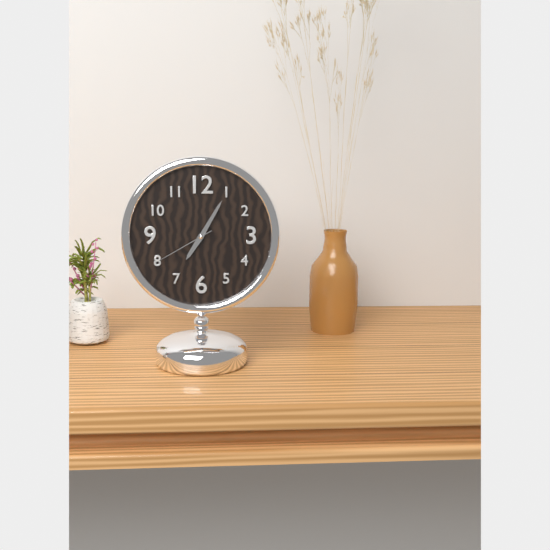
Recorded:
7,05,40
